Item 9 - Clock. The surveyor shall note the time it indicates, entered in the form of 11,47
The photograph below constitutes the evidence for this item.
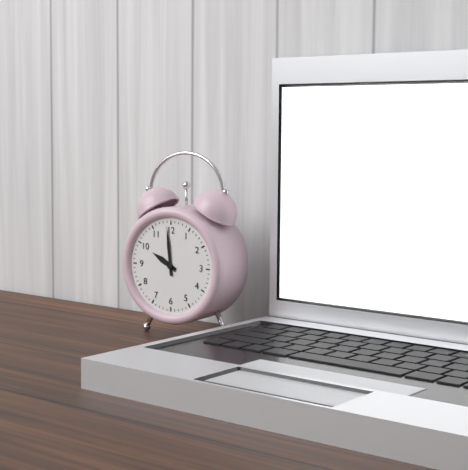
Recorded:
9,59
